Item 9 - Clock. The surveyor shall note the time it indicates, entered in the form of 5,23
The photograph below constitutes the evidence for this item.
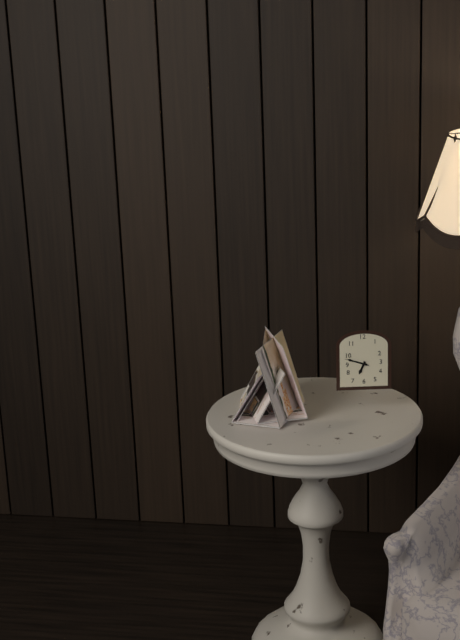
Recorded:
6,48
